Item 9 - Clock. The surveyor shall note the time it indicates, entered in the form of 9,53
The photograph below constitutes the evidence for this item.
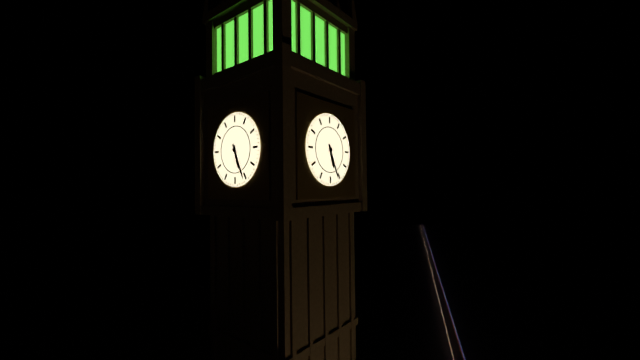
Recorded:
5,26
